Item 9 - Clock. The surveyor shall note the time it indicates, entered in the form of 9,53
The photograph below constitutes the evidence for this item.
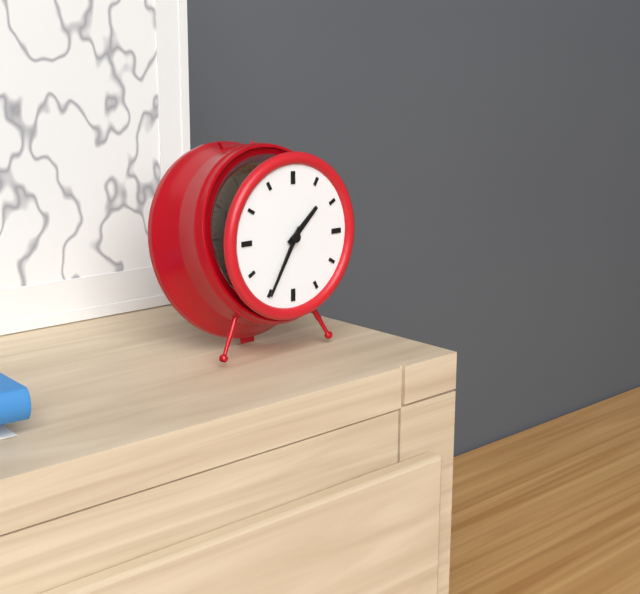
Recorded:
1,35
